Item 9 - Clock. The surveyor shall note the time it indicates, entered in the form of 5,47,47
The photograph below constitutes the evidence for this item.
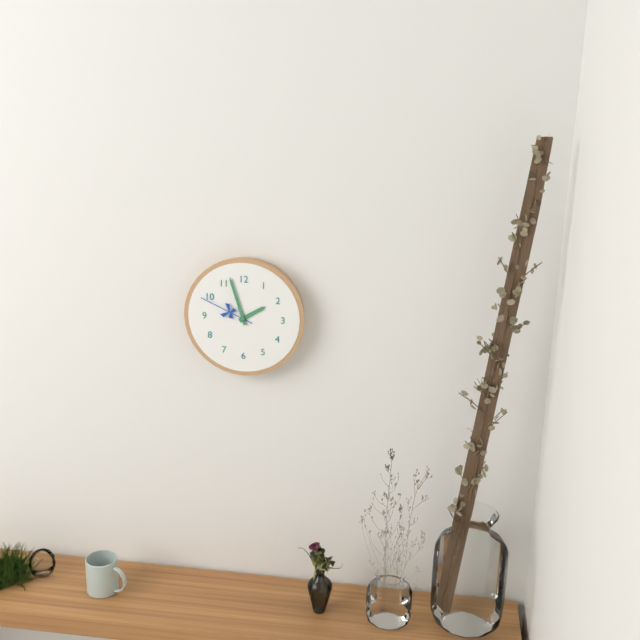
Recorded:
1,57,49
